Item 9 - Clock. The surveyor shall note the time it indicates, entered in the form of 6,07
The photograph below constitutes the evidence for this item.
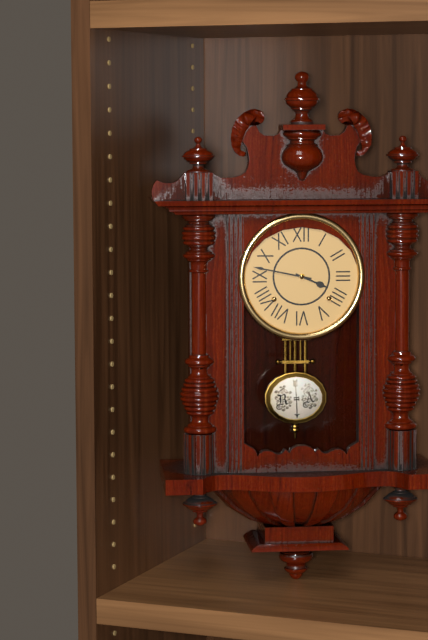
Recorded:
3,47
